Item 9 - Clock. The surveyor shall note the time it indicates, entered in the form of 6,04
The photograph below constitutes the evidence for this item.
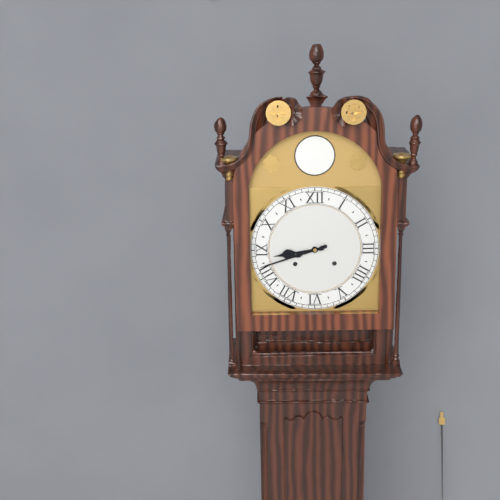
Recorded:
8,42
